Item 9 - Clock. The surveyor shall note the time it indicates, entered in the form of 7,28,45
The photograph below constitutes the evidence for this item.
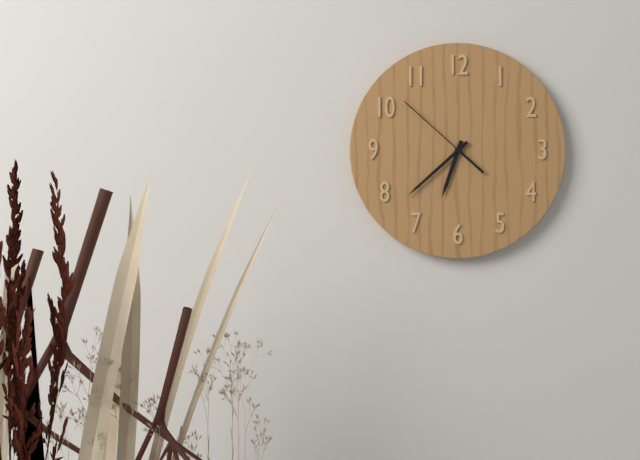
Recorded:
6,38,52
